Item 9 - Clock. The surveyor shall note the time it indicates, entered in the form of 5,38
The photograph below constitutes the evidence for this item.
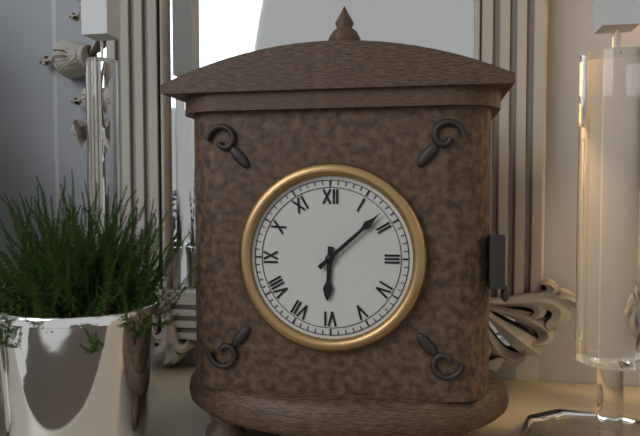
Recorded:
6,08
